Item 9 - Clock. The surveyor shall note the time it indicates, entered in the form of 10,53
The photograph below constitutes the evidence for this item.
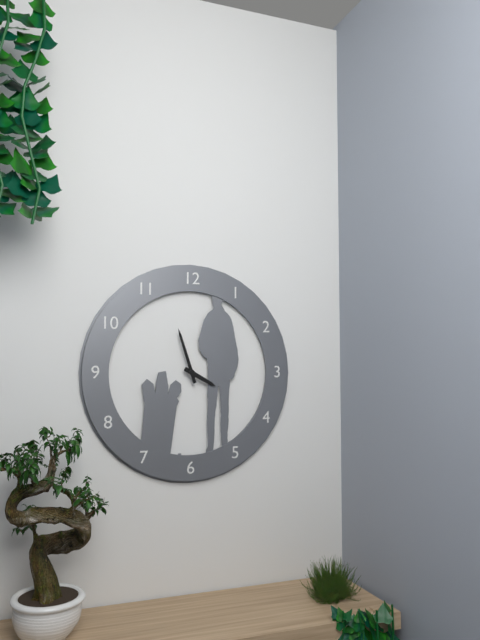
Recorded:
3,57
